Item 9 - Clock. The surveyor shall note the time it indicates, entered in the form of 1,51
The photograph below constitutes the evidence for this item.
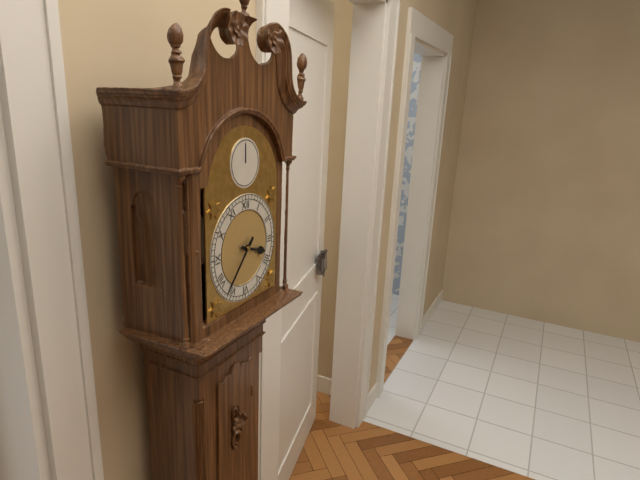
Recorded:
3,37
